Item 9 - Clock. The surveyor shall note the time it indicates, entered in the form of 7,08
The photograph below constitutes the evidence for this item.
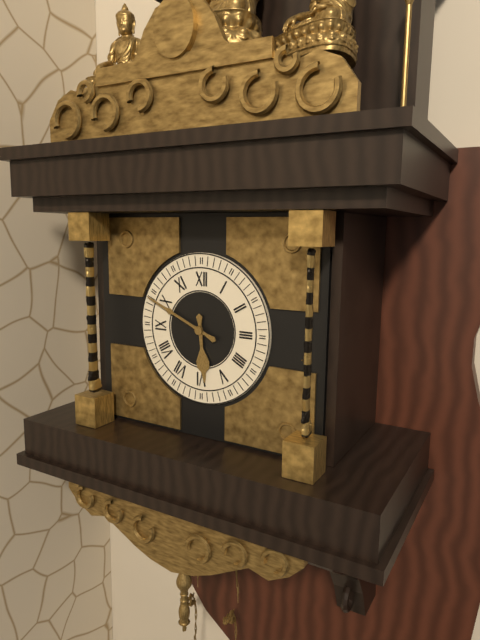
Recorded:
5,49
